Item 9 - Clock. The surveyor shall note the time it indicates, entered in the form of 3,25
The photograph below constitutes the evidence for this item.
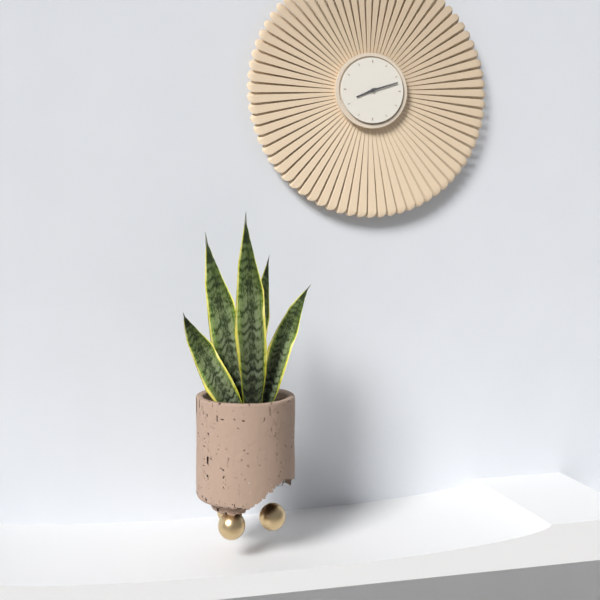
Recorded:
8,12
